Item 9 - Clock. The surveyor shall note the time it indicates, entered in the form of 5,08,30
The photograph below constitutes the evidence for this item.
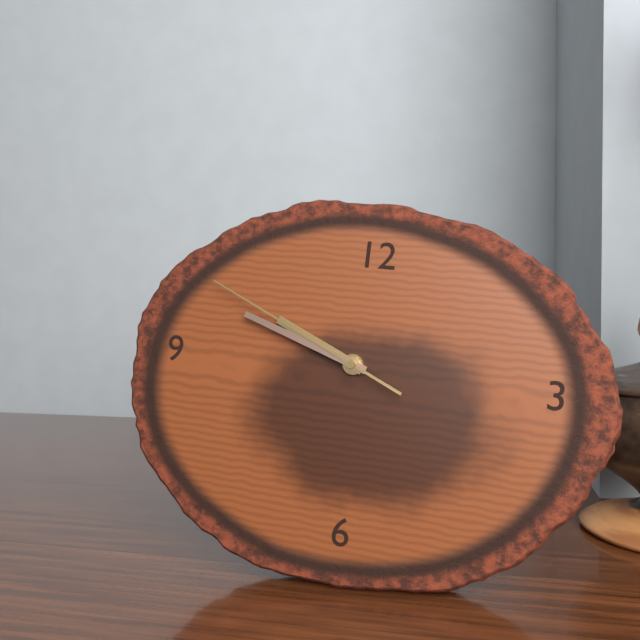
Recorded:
9,48,49
